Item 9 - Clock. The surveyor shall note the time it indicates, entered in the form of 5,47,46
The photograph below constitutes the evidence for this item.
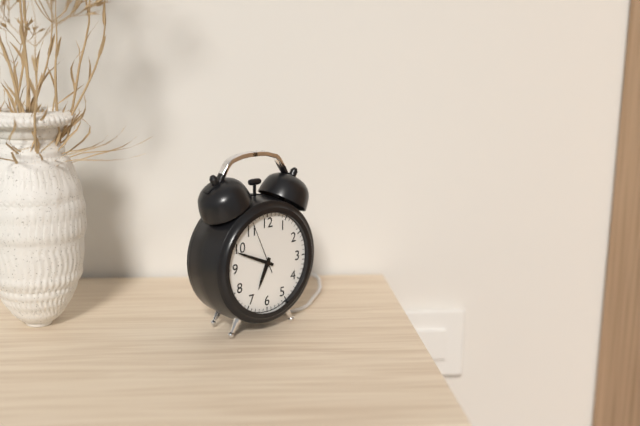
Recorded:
6,49,56
